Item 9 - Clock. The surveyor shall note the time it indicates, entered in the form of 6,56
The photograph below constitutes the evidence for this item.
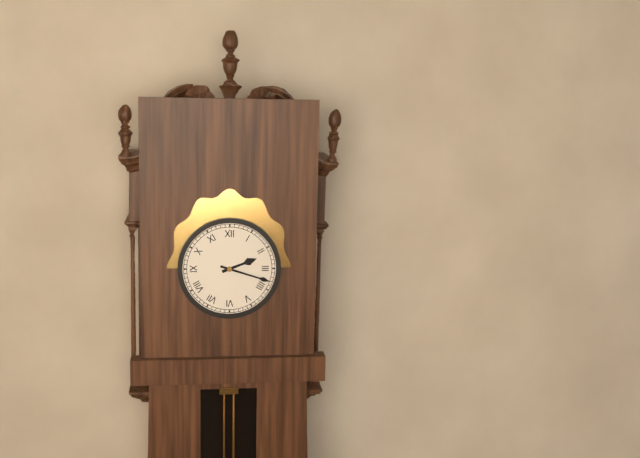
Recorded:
2,18
